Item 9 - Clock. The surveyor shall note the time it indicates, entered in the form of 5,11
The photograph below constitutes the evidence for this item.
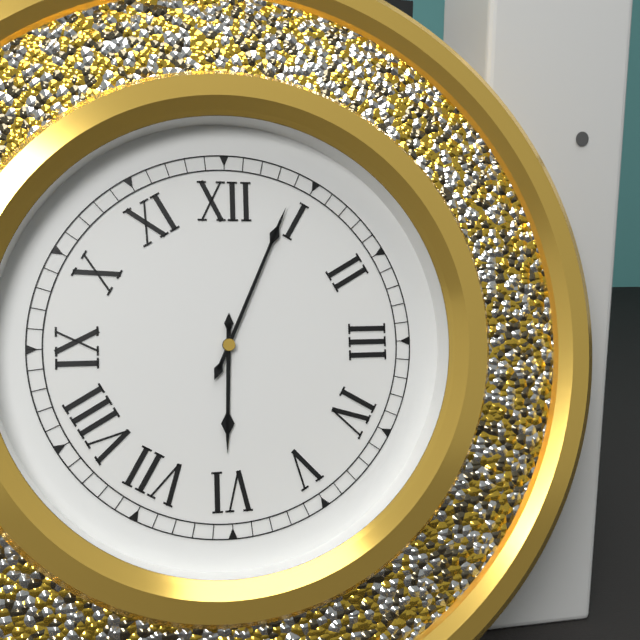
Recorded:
6,04
